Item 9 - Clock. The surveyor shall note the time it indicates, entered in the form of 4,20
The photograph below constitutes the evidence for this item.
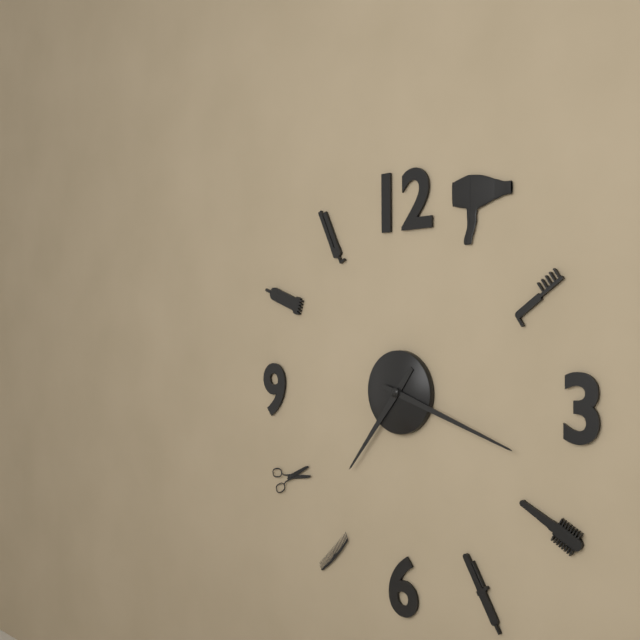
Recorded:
7,18
